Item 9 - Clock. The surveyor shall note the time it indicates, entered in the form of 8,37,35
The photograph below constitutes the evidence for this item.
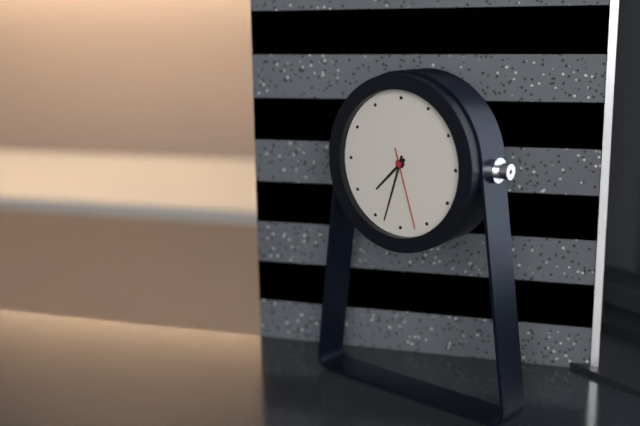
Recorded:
7,33,27
